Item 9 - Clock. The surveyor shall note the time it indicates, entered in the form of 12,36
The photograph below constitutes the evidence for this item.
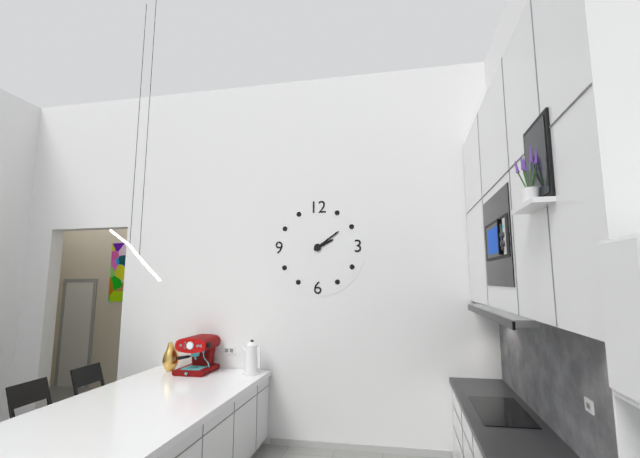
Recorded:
2,09
